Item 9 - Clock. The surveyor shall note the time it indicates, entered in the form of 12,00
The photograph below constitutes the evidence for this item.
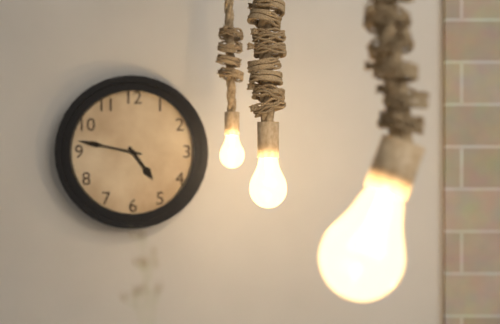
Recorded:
4,47
